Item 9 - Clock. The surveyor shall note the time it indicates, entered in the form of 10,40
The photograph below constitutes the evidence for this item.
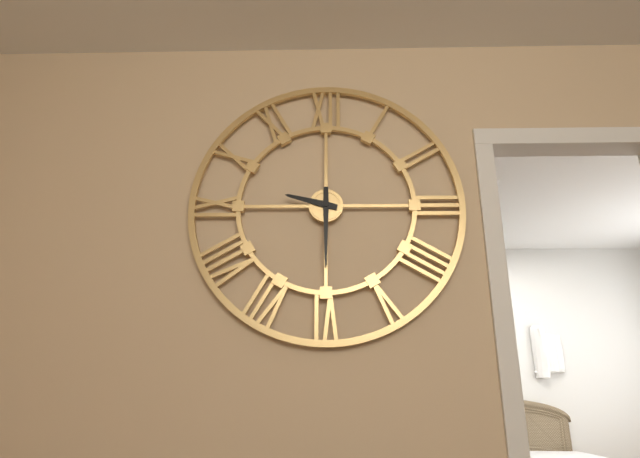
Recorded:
9,30
